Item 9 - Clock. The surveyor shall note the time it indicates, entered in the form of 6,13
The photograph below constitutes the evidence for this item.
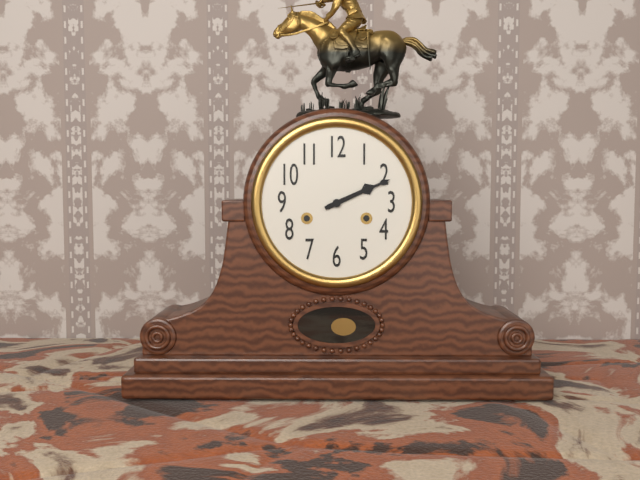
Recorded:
2,11
